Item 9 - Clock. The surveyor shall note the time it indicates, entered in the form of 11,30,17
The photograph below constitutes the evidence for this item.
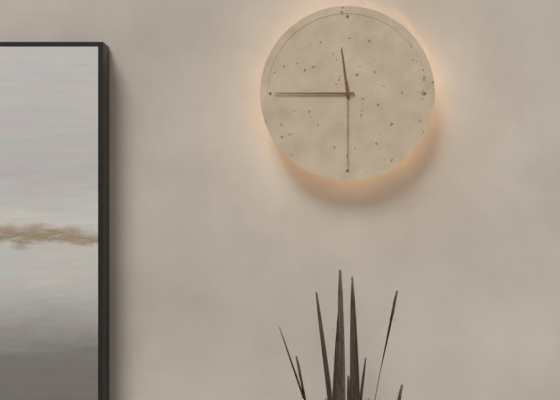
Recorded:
11,45,30
